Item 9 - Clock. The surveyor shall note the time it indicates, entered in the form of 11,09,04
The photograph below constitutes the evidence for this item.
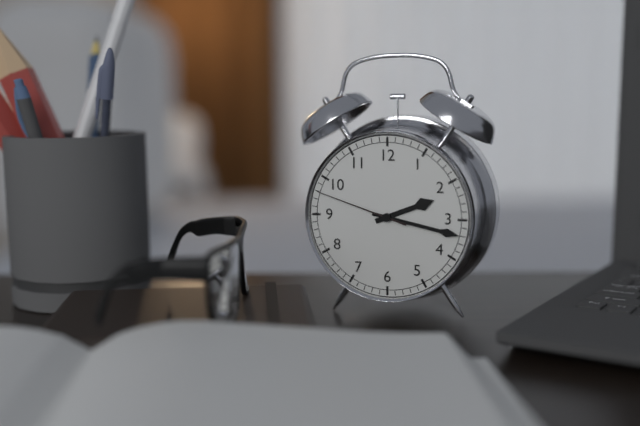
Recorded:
2,17,48
